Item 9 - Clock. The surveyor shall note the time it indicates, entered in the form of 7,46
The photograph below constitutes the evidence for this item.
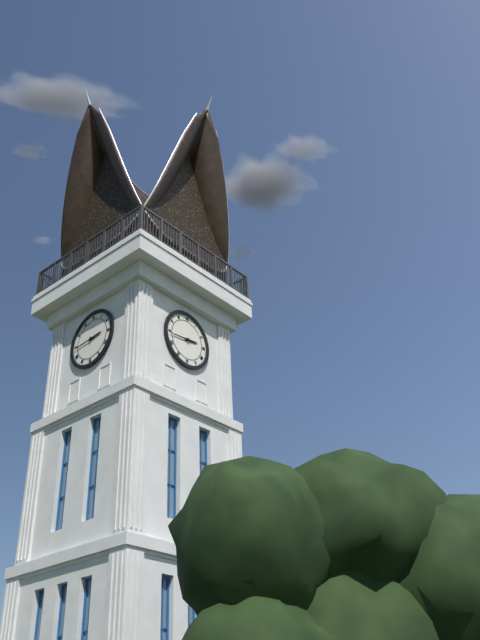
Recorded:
2,44
